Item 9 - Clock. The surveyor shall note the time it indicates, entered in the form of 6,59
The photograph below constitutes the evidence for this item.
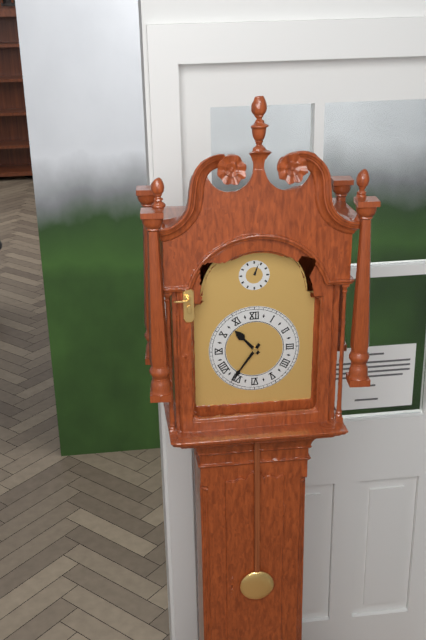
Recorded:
10,36
